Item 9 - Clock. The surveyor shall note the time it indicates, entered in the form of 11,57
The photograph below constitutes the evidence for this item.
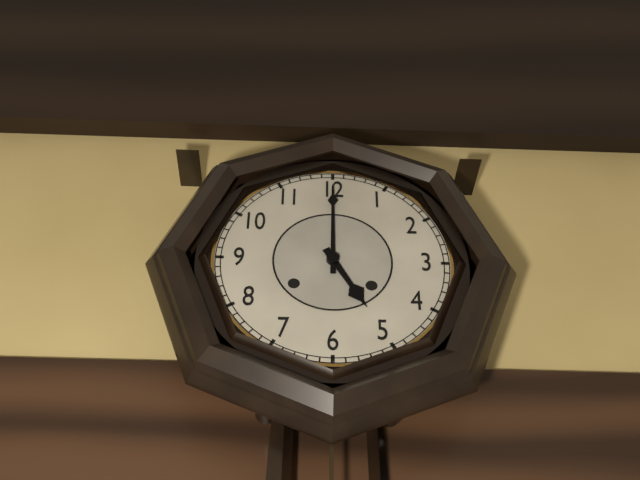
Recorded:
5,00
